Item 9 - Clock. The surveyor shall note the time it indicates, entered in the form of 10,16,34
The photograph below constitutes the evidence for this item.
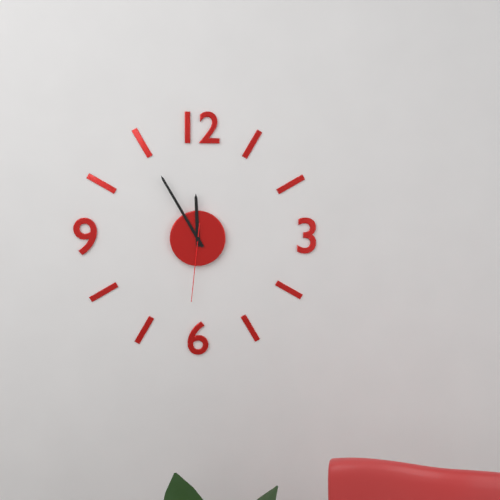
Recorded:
11,55,31
